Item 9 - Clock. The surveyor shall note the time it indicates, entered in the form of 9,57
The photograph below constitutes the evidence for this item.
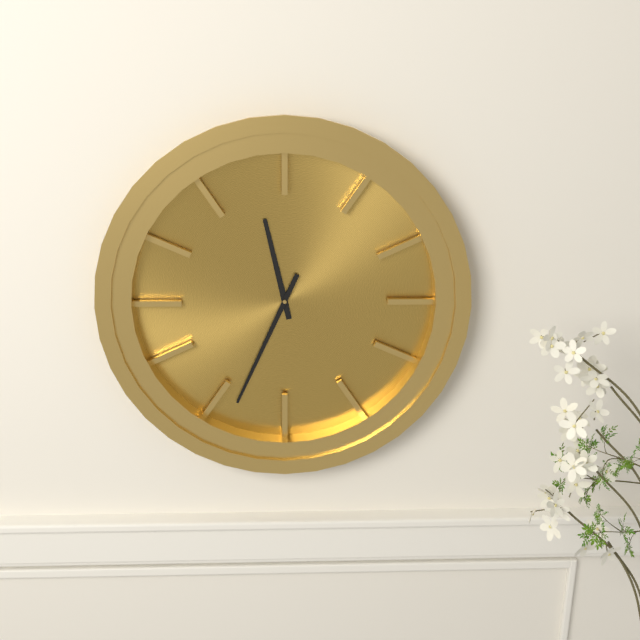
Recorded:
11,34
